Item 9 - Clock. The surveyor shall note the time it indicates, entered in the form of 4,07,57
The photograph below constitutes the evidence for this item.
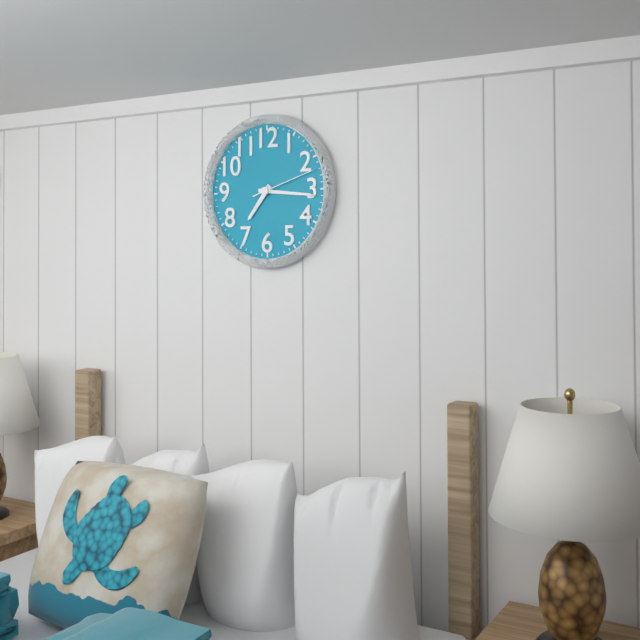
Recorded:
7,16,12
